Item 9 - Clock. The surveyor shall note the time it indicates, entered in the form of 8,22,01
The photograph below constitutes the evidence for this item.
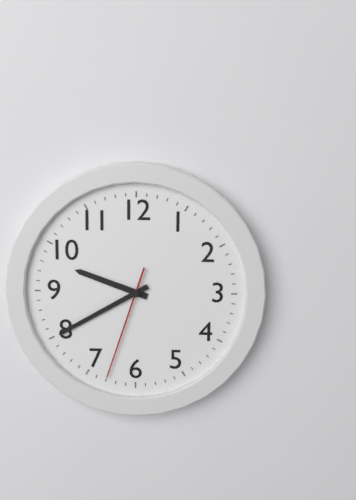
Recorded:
9,40,33
